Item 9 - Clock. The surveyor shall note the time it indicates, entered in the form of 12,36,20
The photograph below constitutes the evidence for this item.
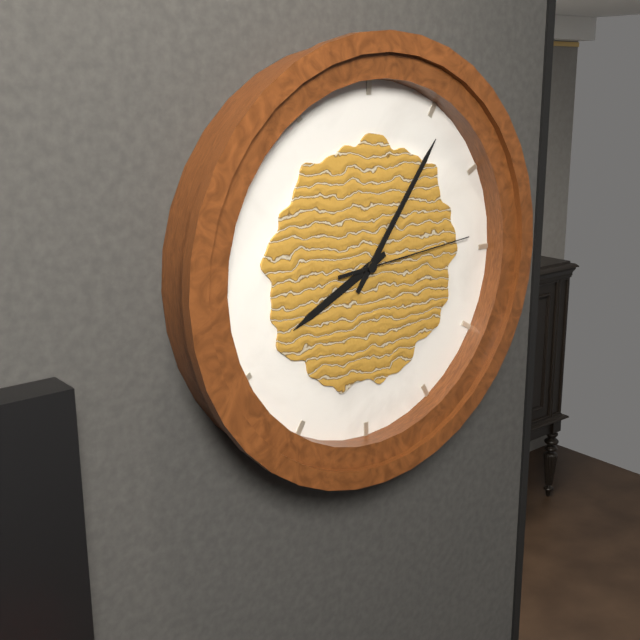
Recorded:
8,06,14
